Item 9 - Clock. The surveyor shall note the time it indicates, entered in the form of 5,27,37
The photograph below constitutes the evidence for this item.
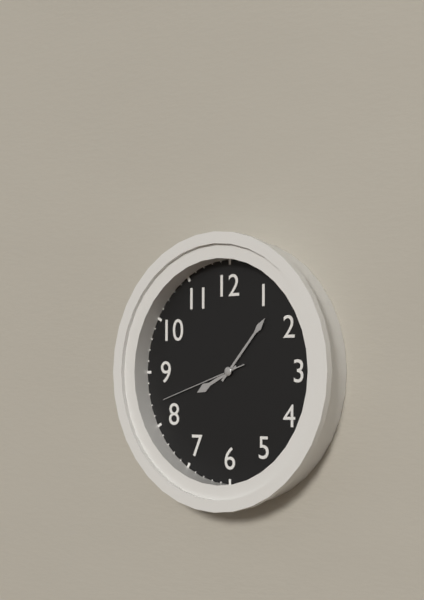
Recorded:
8,07,42
